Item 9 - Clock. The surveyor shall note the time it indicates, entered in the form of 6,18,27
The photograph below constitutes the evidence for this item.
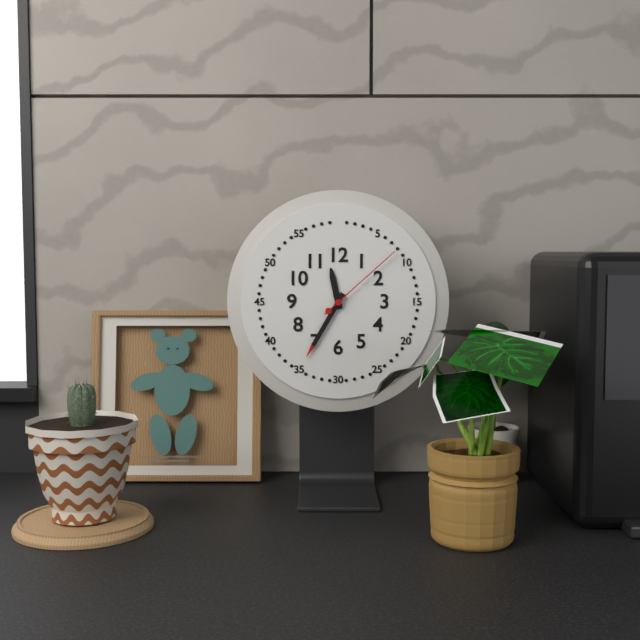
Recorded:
11,35,08
